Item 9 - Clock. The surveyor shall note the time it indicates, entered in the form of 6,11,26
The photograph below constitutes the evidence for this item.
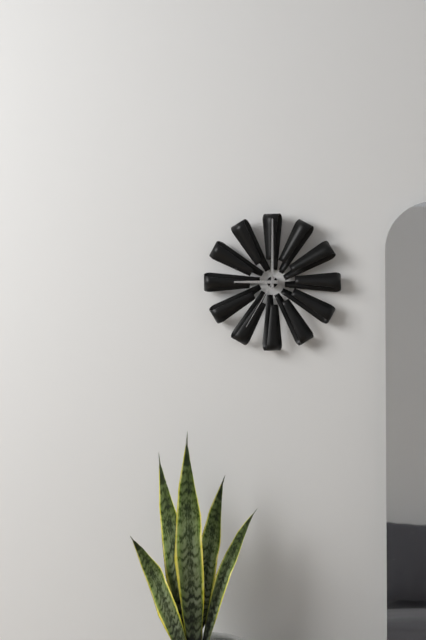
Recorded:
9,00,35
